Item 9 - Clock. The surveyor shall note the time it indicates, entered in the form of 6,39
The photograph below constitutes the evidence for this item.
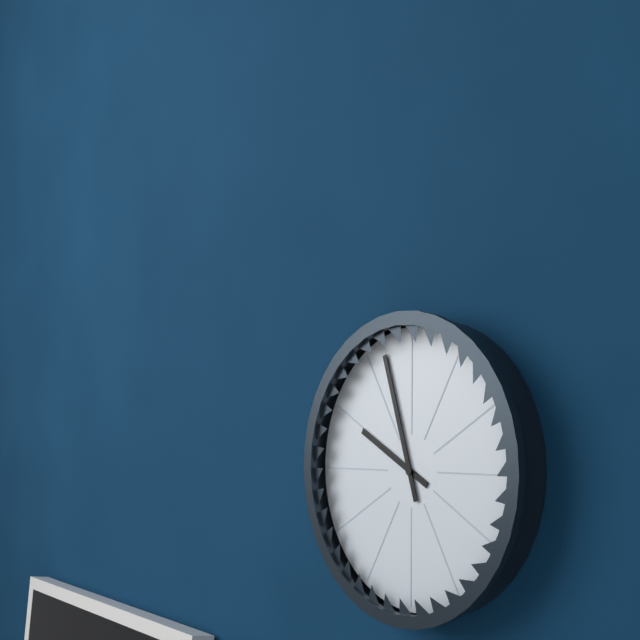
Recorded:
9,57
